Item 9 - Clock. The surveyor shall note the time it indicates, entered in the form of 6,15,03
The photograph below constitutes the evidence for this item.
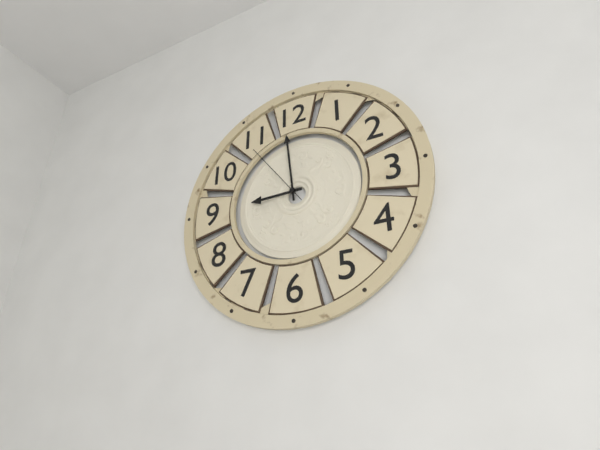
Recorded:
8,59,54
